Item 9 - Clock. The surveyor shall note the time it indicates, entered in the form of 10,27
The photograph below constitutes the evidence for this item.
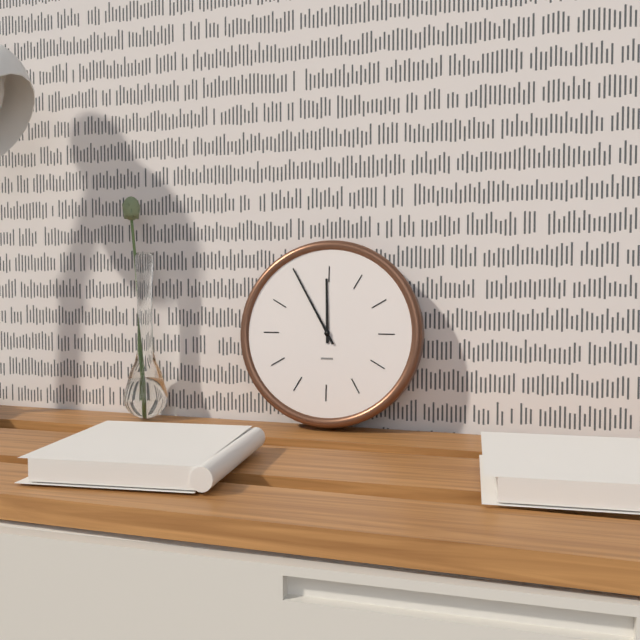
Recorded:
11,55
